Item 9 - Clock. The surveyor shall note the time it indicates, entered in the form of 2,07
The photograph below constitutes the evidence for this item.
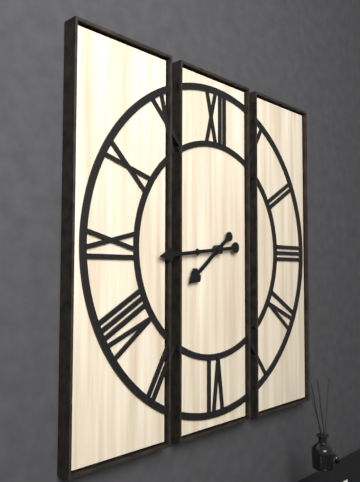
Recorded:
7,44
